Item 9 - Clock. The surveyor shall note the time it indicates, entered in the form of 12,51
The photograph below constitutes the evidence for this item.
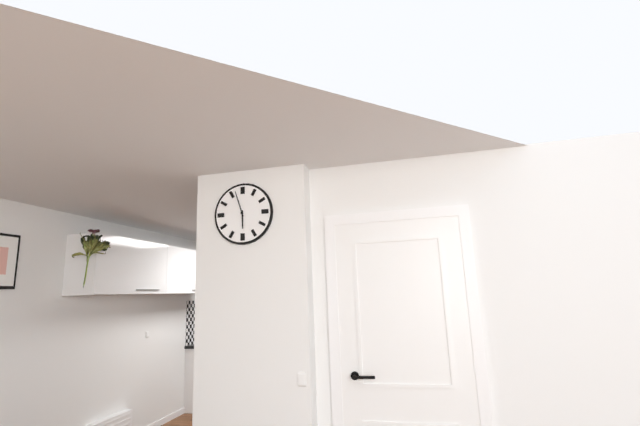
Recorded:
5,57
